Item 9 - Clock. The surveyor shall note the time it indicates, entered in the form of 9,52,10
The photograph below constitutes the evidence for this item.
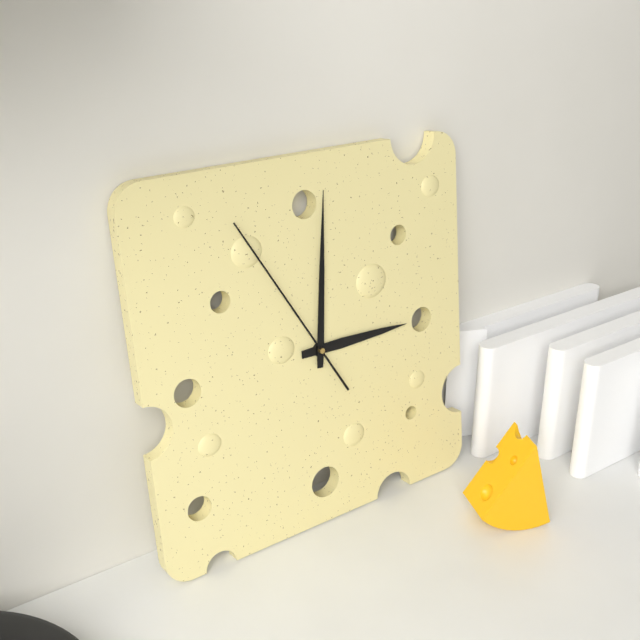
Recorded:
3,01,55
